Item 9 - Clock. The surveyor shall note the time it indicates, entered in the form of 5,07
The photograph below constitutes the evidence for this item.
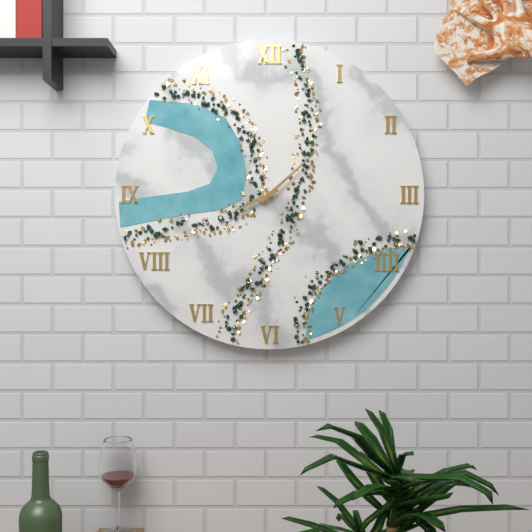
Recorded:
8,08
